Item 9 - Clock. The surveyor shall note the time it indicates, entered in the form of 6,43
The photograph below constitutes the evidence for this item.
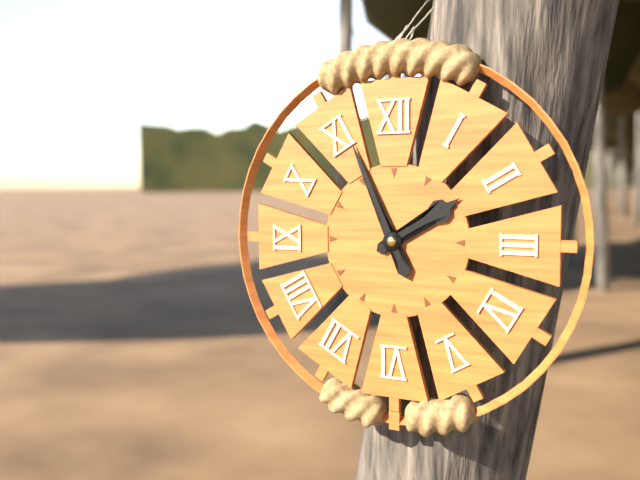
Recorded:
1,56
